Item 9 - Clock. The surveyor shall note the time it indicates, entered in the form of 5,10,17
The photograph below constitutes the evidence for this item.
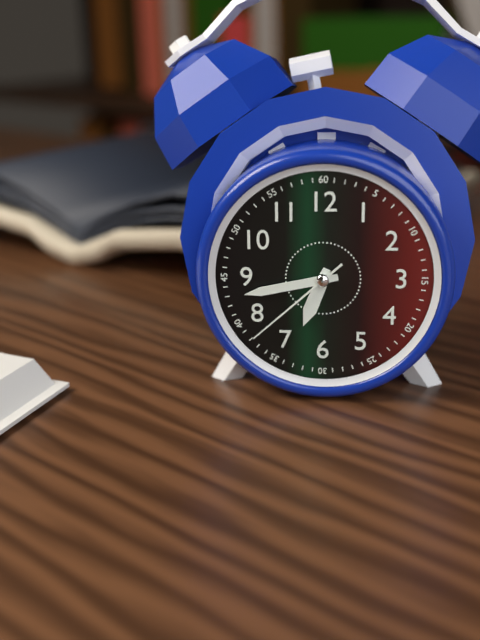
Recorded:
6,43,38
